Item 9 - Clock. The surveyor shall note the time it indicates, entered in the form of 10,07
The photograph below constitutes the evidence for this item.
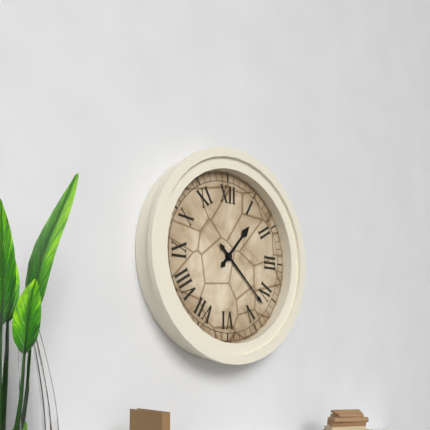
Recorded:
1,22
